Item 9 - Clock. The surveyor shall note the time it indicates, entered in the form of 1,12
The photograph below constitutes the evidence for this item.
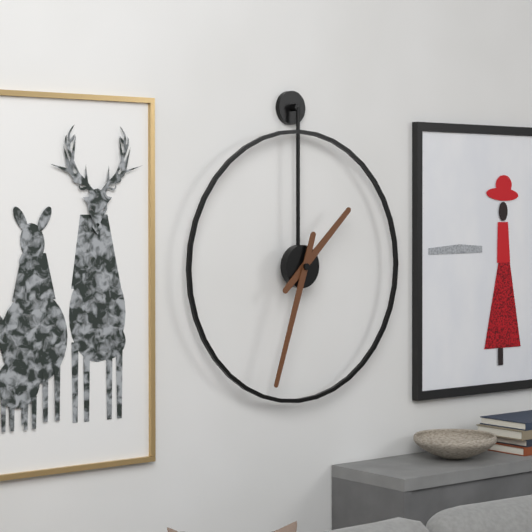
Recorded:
1,33
